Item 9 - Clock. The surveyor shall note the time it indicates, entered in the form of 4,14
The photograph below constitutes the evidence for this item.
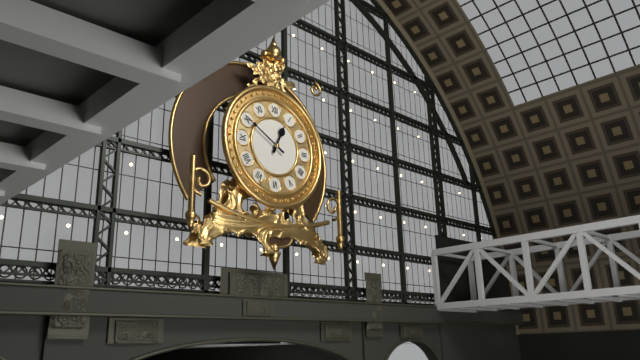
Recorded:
12,50
